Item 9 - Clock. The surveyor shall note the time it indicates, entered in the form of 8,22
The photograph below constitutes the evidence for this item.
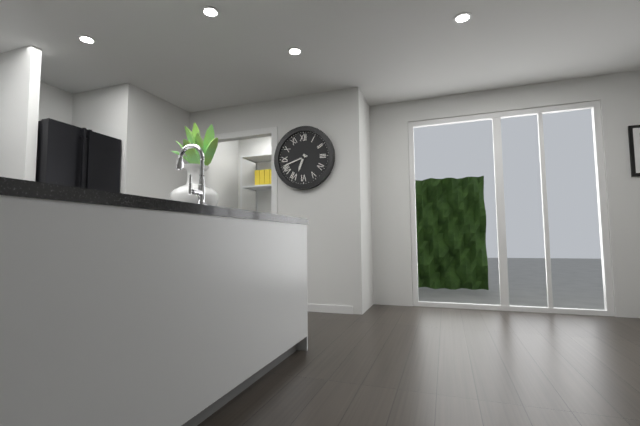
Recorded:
6,42
